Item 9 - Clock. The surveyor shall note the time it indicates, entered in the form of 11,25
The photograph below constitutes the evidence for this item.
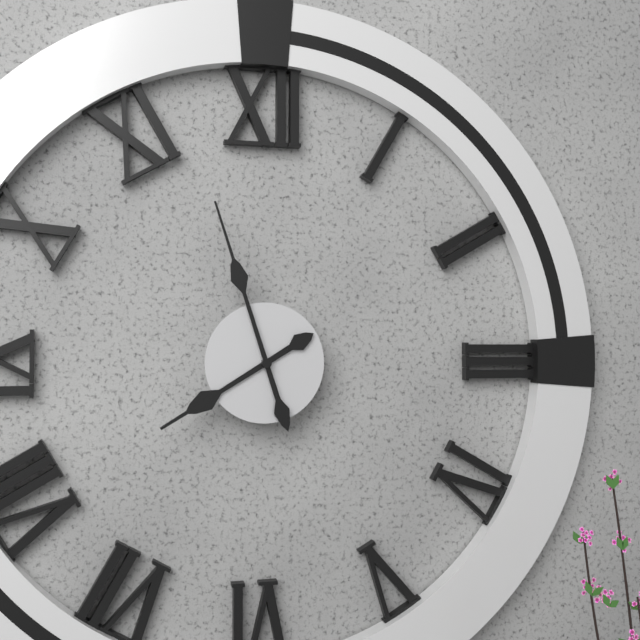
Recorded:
7,57
